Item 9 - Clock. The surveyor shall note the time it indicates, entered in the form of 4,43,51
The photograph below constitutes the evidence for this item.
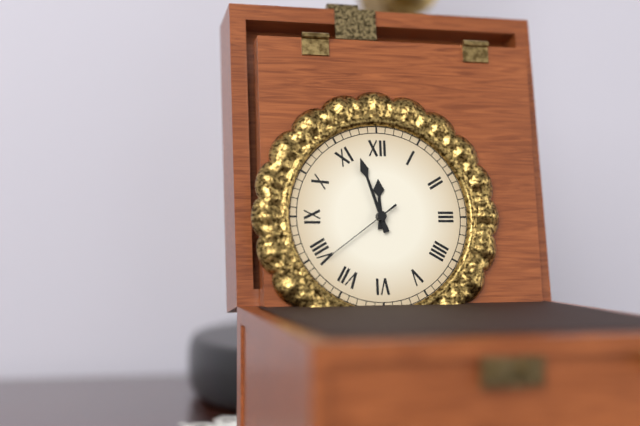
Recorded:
11,57,39
